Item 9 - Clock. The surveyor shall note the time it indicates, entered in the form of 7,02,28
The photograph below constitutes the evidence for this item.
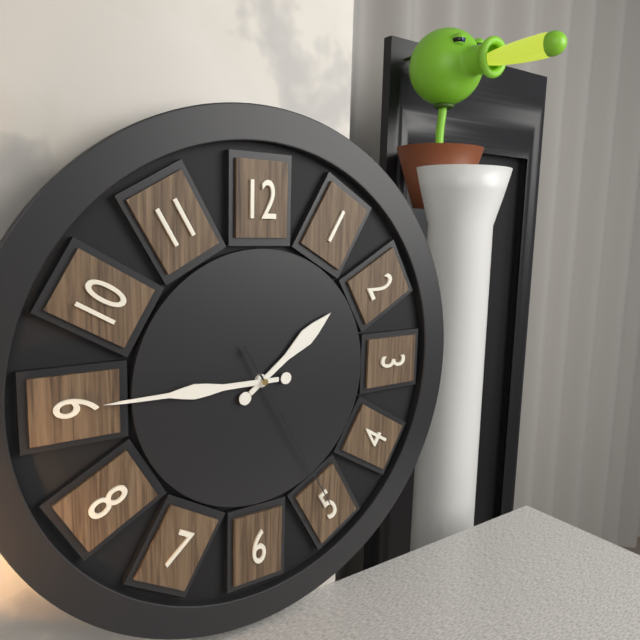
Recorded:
1,45,25
